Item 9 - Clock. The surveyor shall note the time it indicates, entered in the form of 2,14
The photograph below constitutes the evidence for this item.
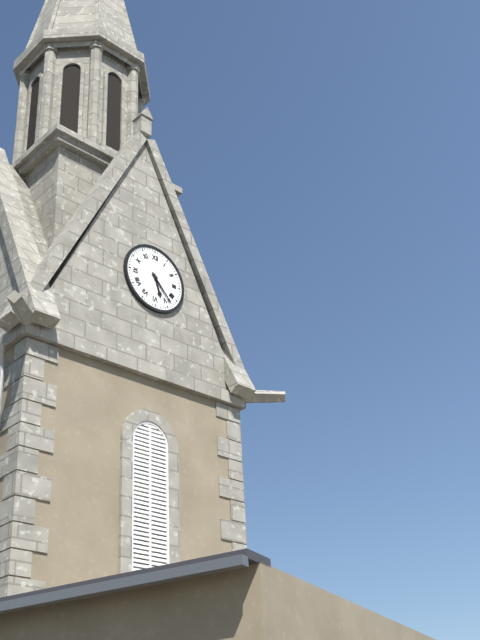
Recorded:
5,23
